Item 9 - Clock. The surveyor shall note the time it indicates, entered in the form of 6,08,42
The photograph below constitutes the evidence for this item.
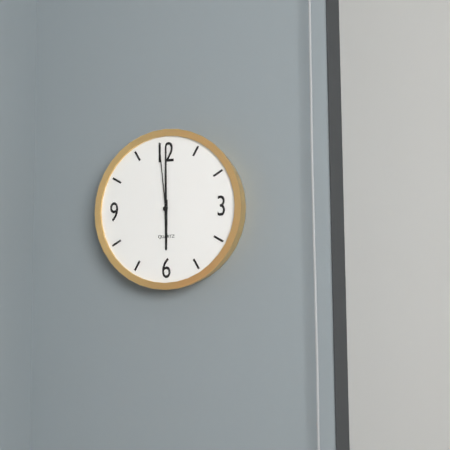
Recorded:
6,00,59
